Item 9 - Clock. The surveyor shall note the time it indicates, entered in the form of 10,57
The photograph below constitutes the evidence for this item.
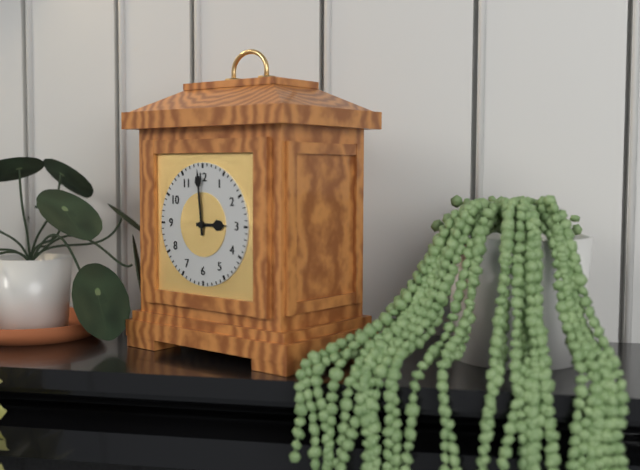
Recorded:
2,59
